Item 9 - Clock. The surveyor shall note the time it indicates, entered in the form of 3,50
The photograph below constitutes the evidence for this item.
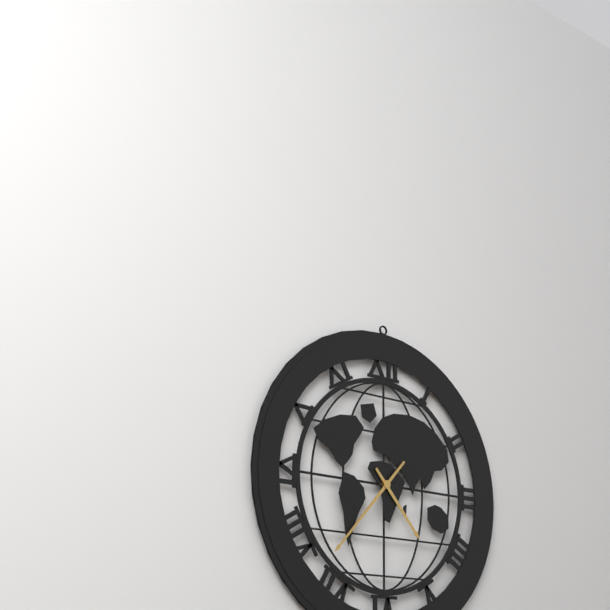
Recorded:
4,37
